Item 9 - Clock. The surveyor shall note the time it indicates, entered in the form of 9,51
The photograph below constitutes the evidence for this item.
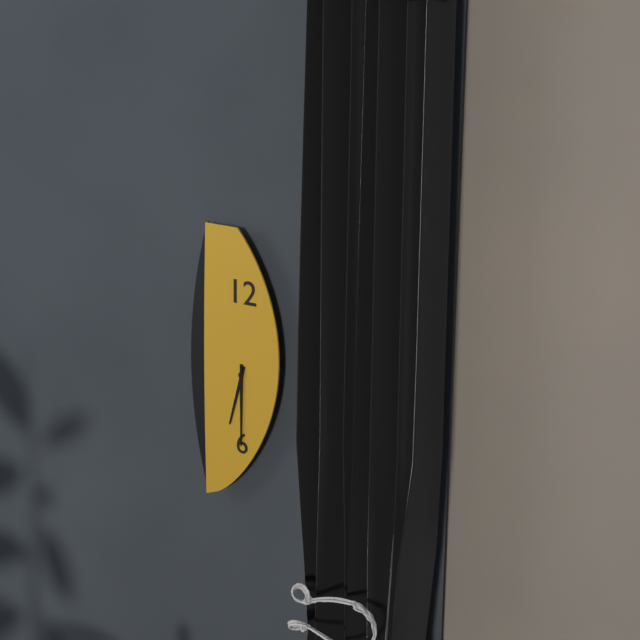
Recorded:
6,30
